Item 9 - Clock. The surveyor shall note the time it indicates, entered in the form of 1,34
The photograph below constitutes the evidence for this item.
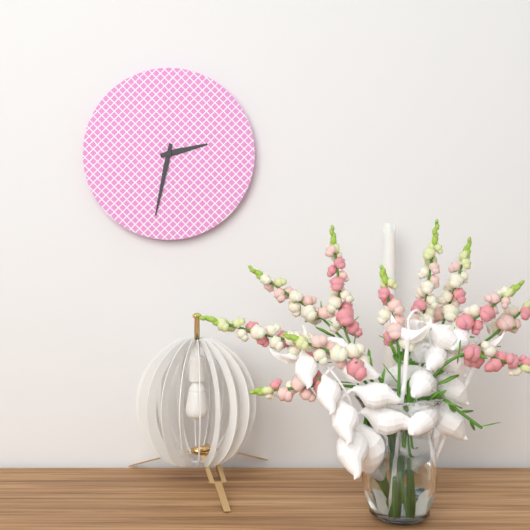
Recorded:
2,32
